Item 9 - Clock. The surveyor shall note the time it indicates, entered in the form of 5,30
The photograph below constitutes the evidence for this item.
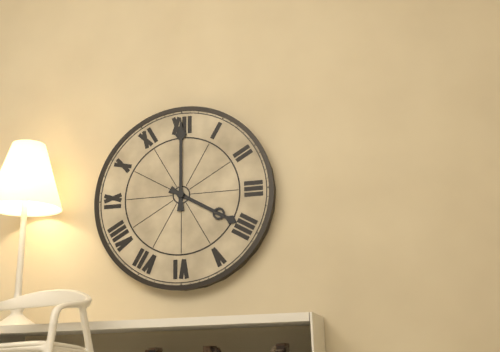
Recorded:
4,00
